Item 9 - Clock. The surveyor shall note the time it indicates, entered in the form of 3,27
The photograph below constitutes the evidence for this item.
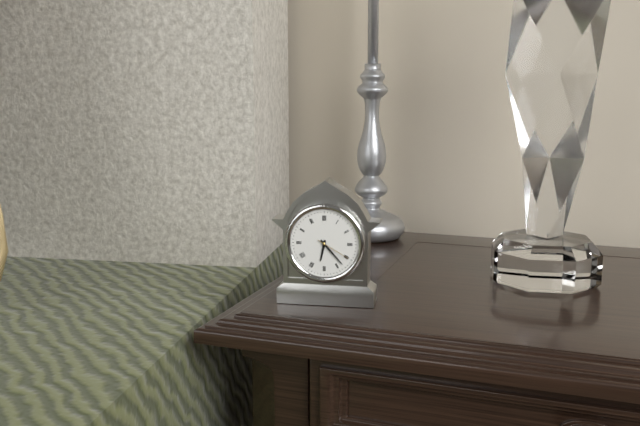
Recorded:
6,23
